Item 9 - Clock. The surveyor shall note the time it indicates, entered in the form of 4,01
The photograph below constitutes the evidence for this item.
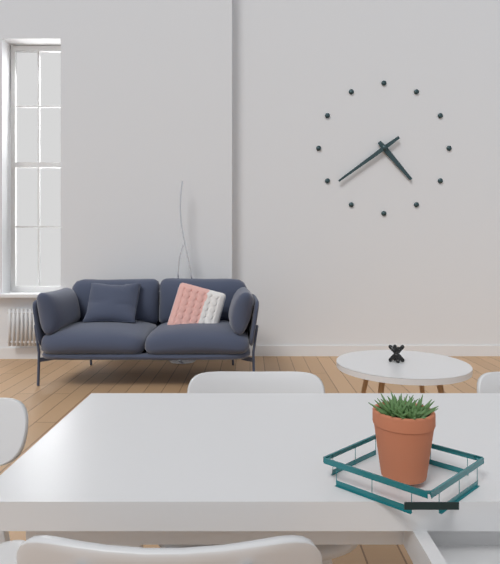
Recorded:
4,39
